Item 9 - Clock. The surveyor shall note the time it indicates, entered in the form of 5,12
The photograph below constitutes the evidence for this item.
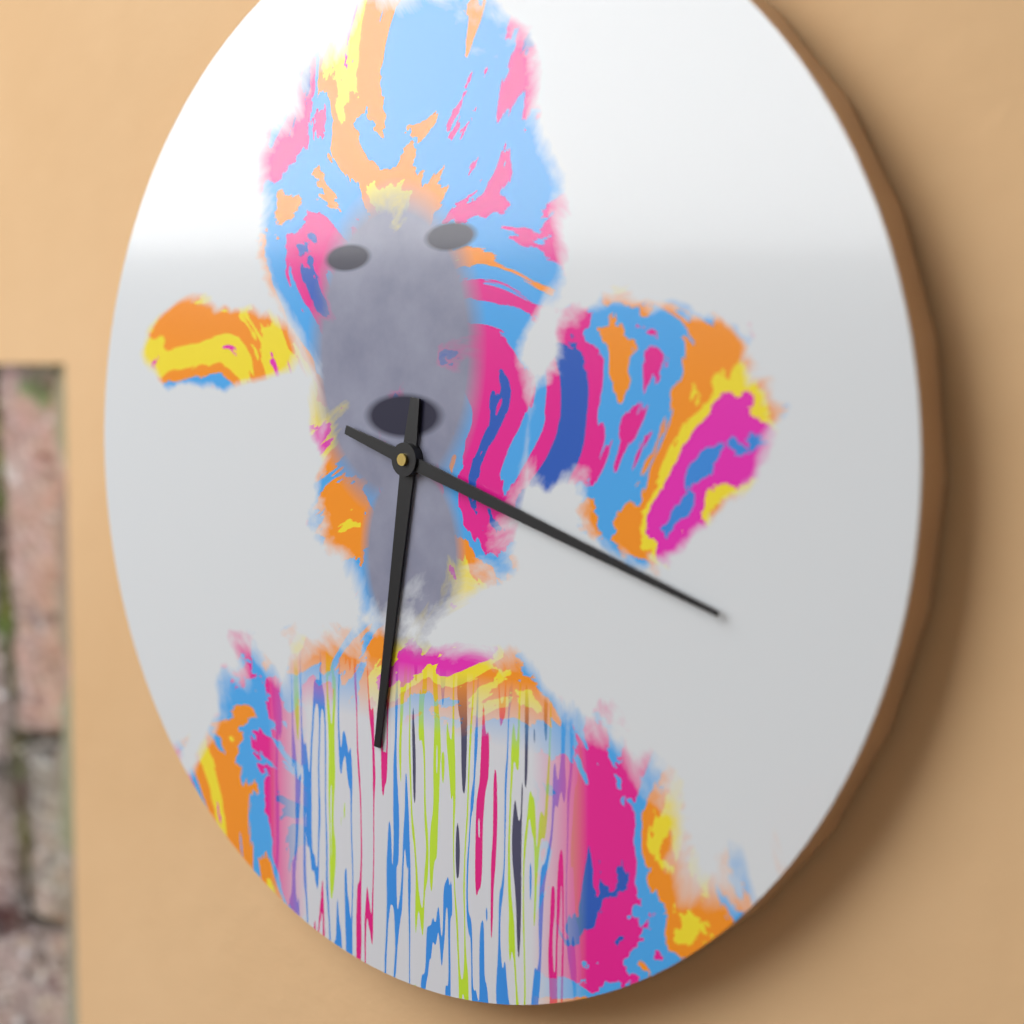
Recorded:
6,18
